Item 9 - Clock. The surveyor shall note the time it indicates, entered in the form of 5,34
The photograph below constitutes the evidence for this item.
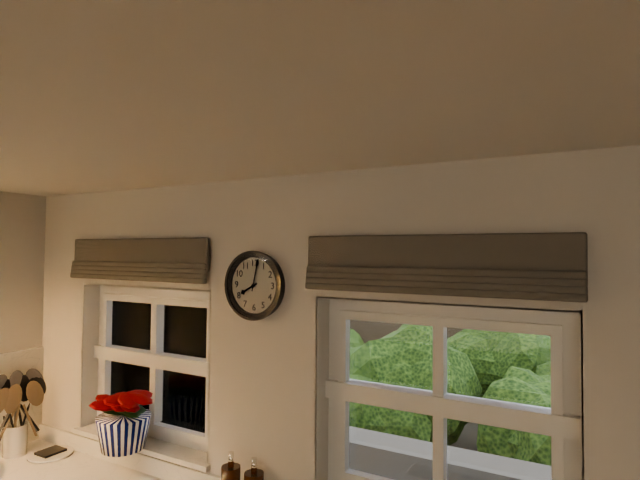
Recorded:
8,02
